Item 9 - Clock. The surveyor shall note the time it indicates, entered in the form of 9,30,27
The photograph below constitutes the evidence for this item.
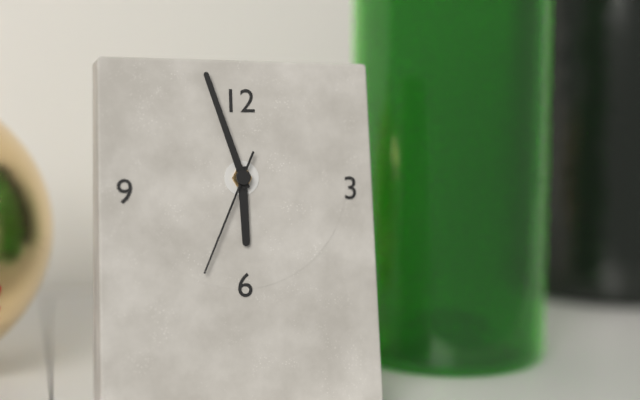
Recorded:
5,57,34
